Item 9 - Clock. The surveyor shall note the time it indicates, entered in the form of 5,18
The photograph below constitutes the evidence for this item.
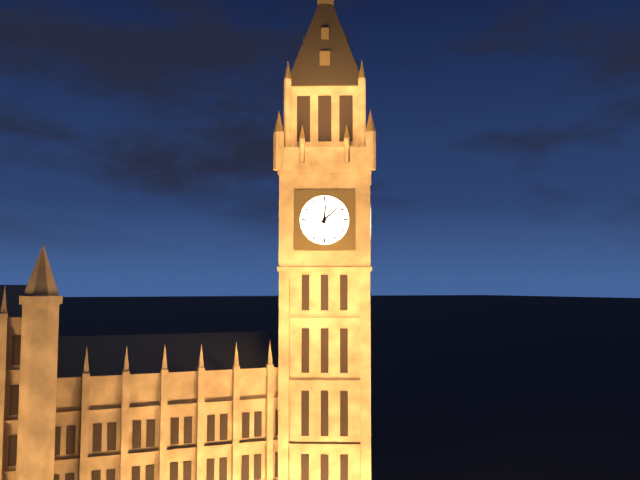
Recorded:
12,08
